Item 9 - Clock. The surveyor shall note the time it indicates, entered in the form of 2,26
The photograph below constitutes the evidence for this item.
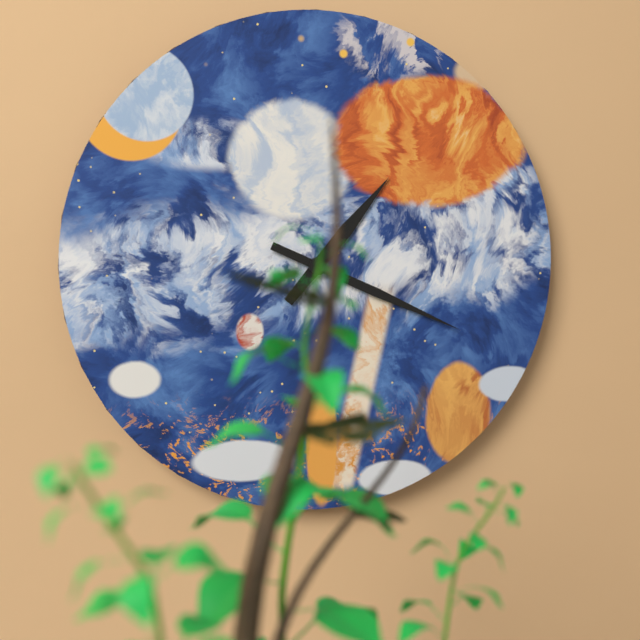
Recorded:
1,19
